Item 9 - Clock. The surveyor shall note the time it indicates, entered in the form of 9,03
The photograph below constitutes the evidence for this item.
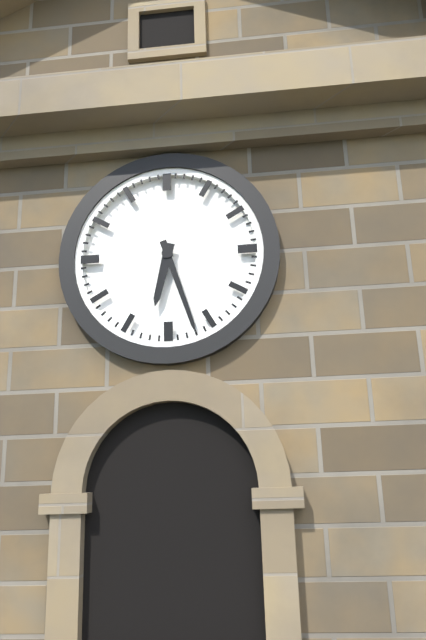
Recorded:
6,27
